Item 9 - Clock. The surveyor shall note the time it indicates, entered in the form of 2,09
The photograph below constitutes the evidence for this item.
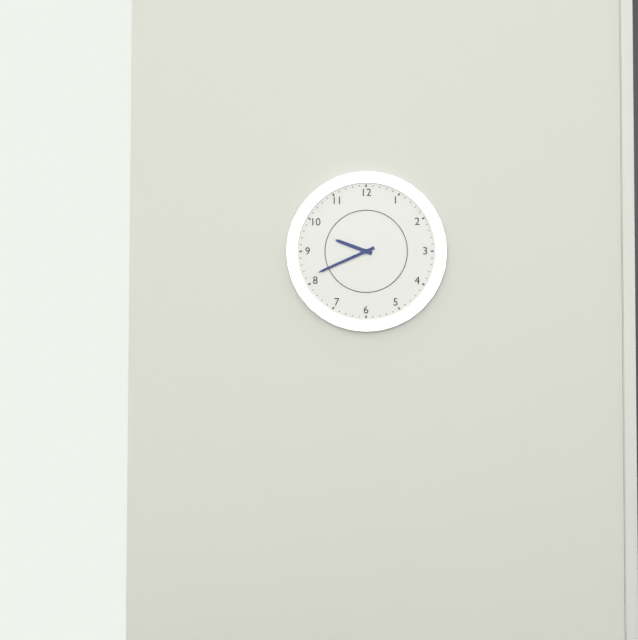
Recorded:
9,41
